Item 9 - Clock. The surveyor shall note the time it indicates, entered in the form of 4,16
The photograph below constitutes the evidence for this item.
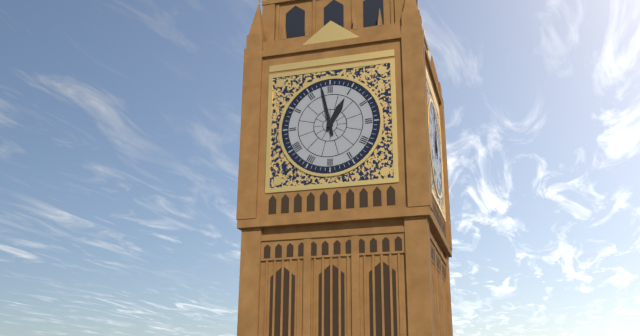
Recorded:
12,58
